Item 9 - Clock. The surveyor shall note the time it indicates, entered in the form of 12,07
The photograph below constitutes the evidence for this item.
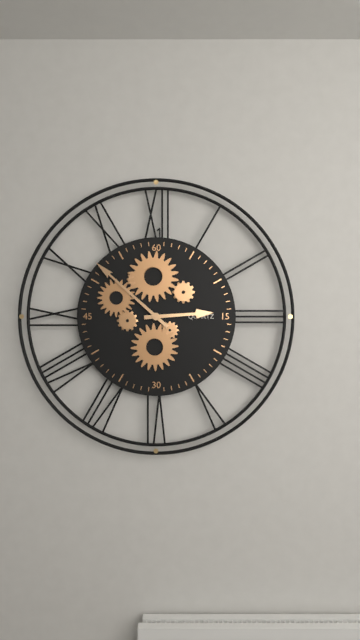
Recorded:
2,52
